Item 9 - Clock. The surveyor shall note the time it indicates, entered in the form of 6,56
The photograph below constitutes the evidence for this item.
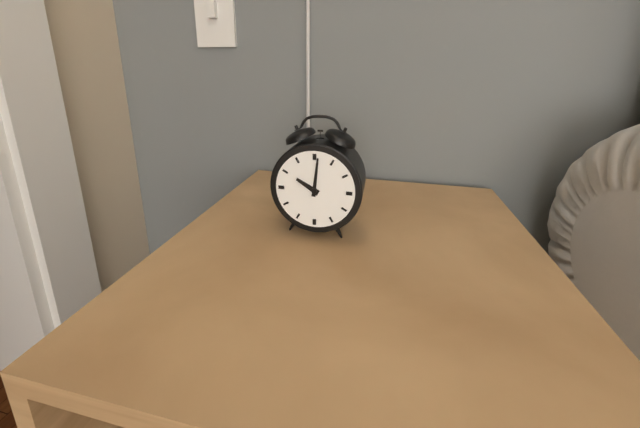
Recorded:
10,01
